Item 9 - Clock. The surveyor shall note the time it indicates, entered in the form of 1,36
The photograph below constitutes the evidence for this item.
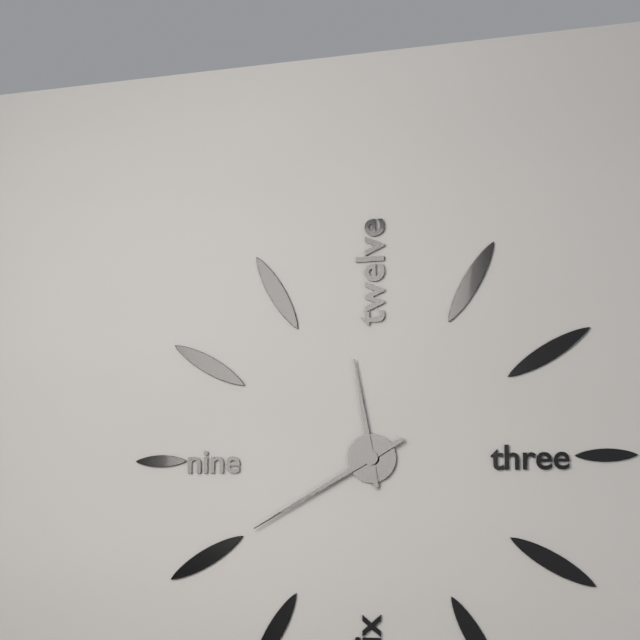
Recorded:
11,40
